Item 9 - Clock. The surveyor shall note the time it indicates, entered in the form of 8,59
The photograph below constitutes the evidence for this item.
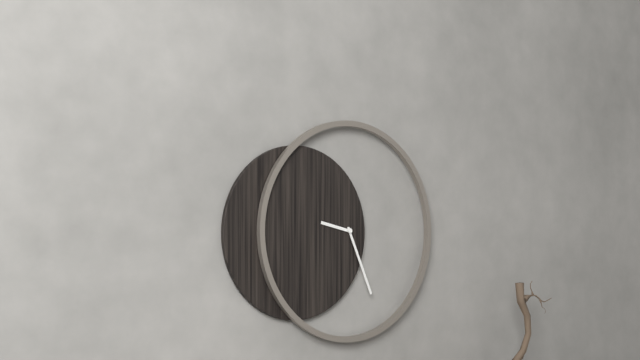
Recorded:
9,26
